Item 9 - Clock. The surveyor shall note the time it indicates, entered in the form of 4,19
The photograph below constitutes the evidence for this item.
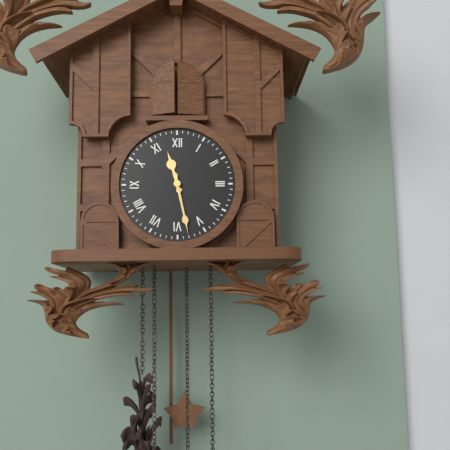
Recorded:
11,28
